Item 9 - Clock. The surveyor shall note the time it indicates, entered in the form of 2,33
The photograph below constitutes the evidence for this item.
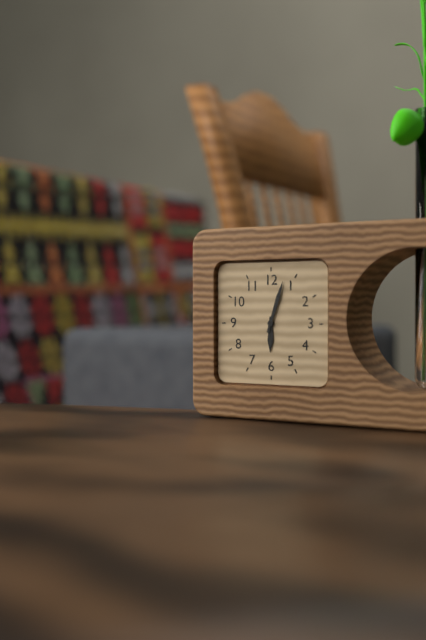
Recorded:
6,03
